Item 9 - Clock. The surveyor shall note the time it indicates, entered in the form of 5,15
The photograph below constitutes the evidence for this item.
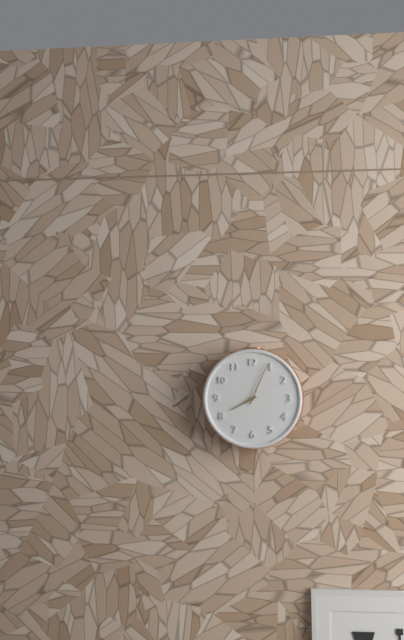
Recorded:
8,04
